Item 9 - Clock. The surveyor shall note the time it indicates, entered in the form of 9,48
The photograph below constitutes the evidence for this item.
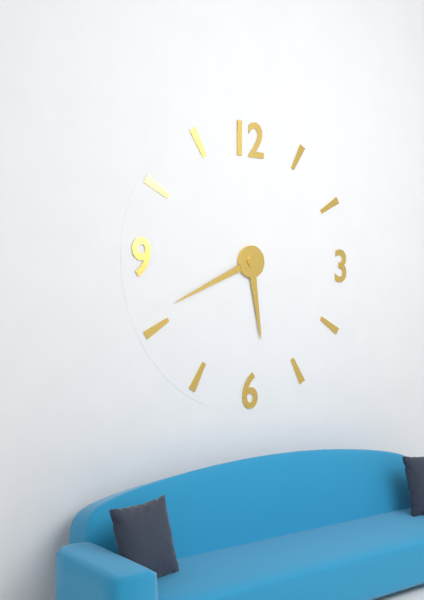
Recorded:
5,41
